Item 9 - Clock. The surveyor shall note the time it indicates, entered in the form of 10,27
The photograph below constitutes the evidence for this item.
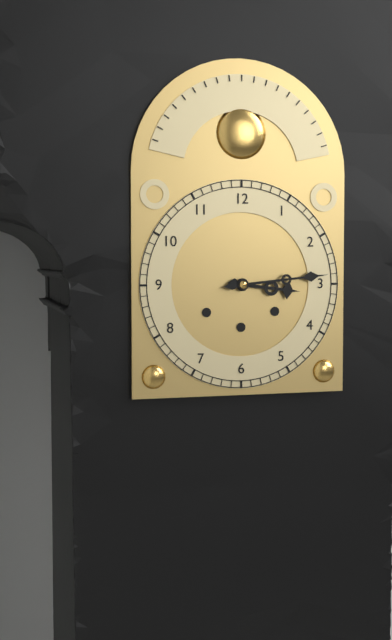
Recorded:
3,14
